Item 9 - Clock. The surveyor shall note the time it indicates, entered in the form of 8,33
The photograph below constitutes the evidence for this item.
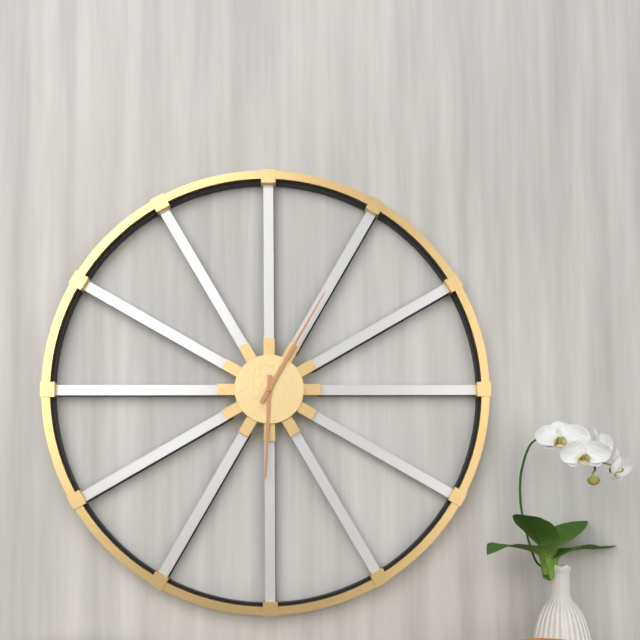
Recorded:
6,05
